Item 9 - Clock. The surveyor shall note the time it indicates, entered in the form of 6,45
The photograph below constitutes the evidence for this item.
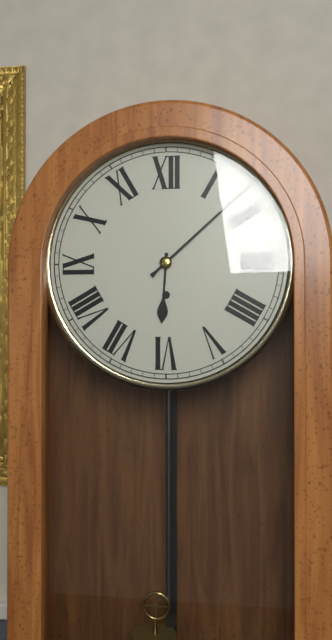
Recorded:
6,08
